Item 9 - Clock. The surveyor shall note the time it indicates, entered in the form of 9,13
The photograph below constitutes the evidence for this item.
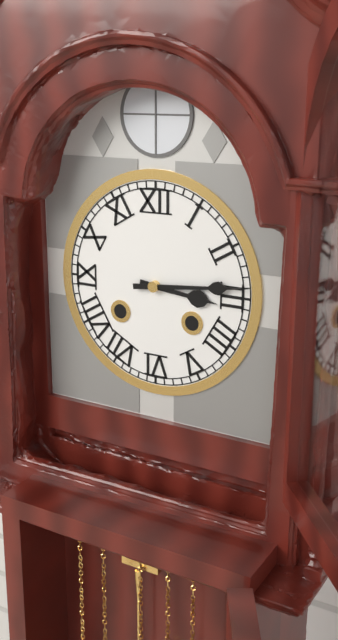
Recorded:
3,14
